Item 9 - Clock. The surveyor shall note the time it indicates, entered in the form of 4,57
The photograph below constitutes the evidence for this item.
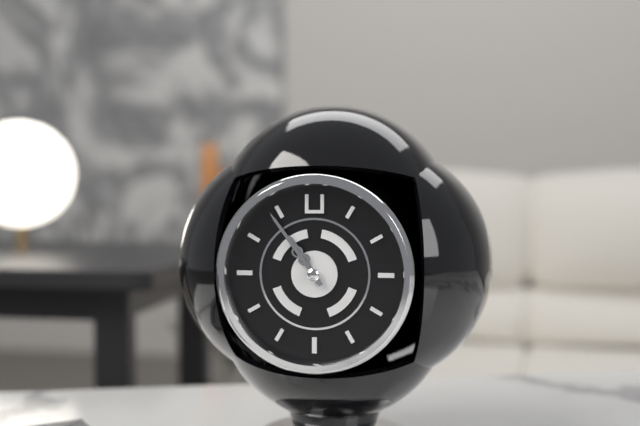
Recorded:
10,54
